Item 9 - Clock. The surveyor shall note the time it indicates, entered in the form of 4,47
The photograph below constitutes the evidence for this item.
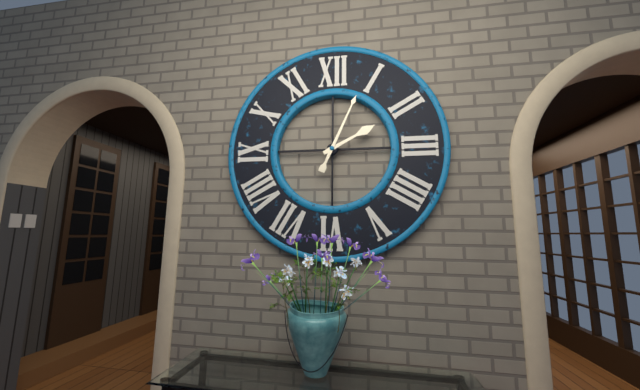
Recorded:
2,04
